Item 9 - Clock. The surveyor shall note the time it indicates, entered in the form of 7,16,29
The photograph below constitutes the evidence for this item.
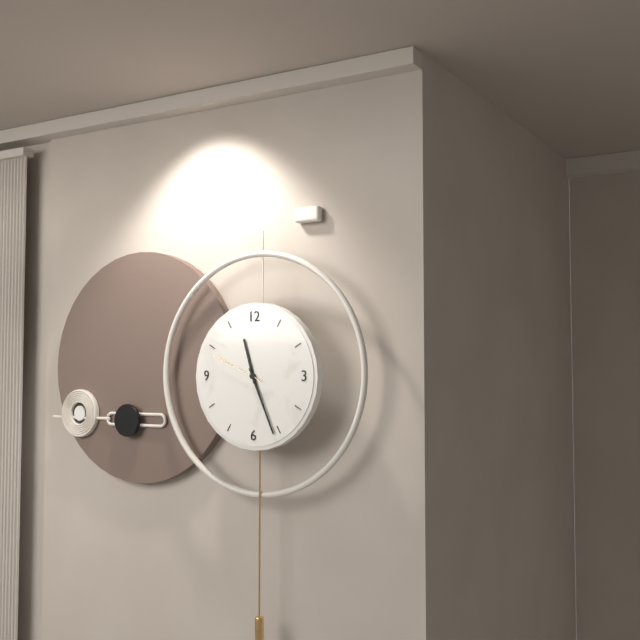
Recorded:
11,26,49
